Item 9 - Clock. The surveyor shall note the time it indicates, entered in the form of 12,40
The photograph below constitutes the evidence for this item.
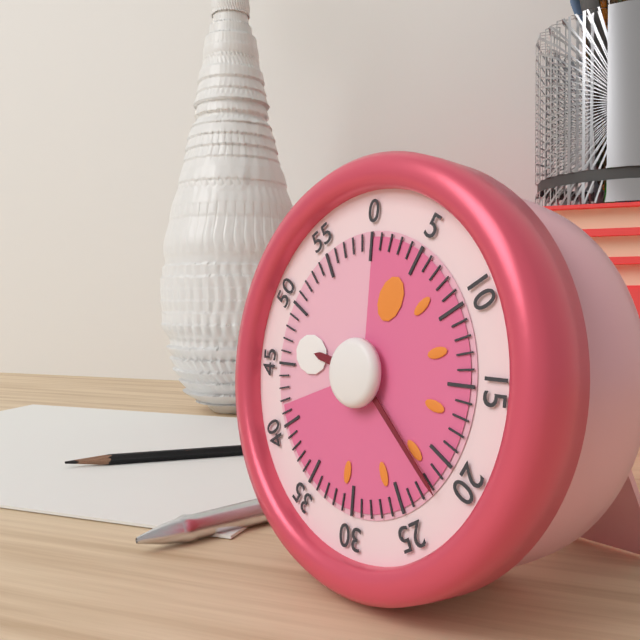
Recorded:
9,22
